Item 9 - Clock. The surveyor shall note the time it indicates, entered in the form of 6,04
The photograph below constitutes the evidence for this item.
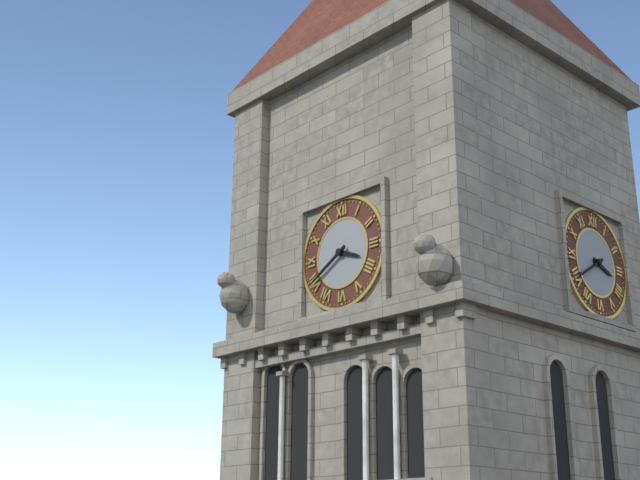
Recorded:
3,40
